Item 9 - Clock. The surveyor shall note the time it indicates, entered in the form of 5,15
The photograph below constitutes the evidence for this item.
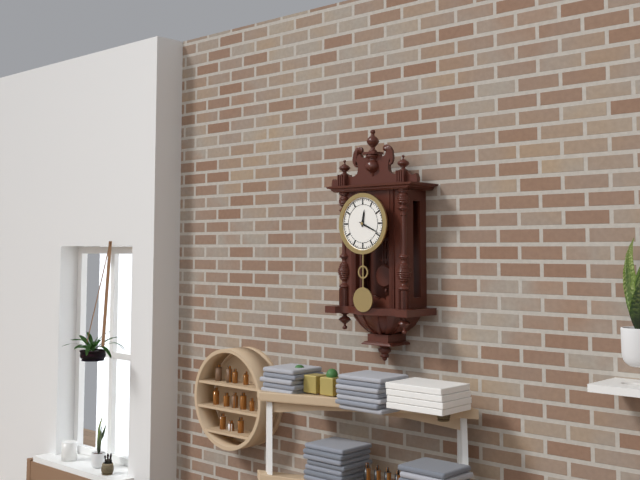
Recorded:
12,19
